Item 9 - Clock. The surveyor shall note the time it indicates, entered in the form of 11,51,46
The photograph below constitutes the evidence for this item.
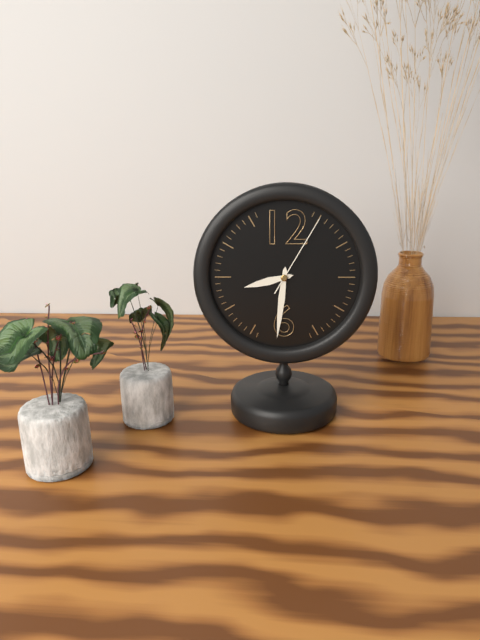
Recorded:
8,31,05
